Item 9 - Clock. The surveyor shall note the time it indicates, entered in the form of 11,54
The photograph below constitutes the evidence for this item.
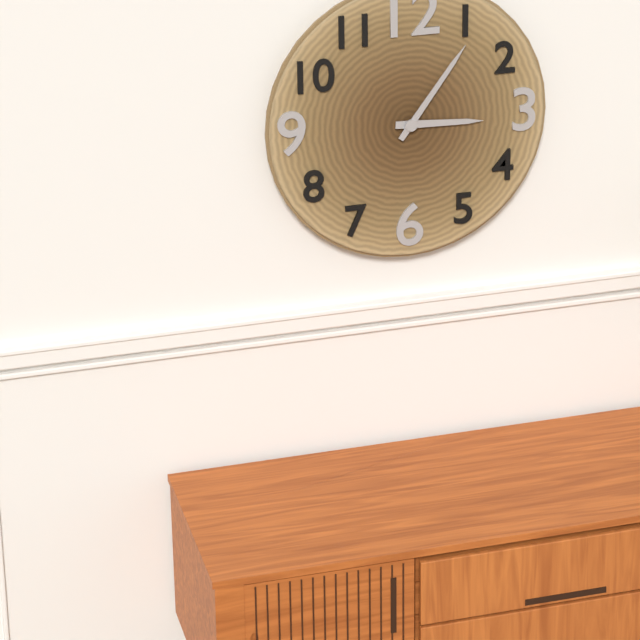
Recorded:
3,06
